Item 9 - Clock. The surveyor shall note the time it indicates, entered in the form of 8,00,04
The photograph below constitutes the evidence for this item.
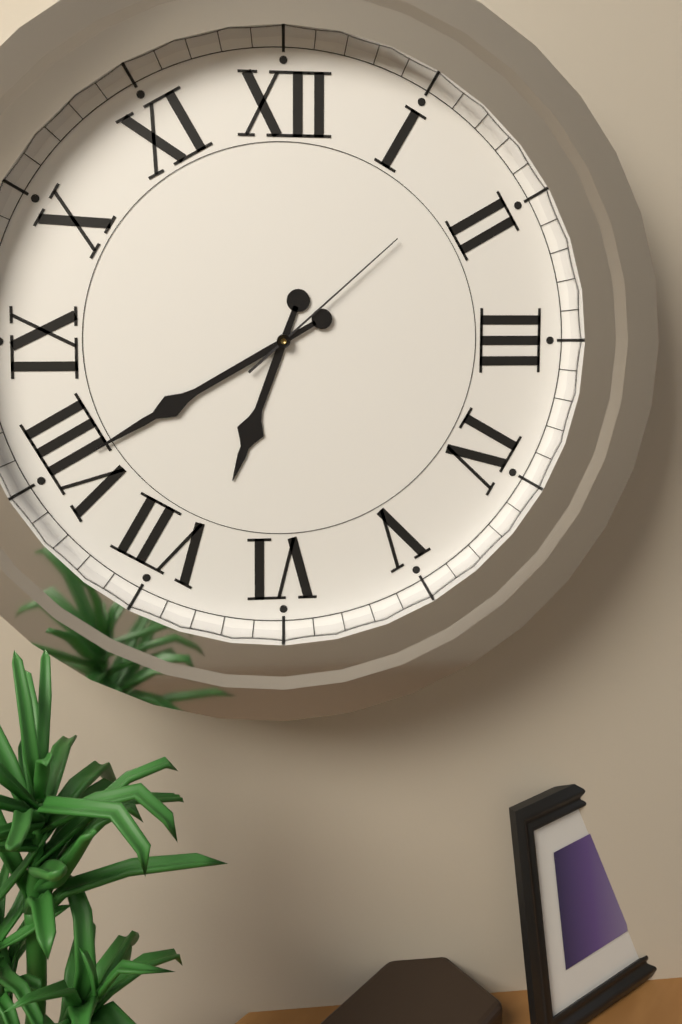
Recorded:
6,40,08
